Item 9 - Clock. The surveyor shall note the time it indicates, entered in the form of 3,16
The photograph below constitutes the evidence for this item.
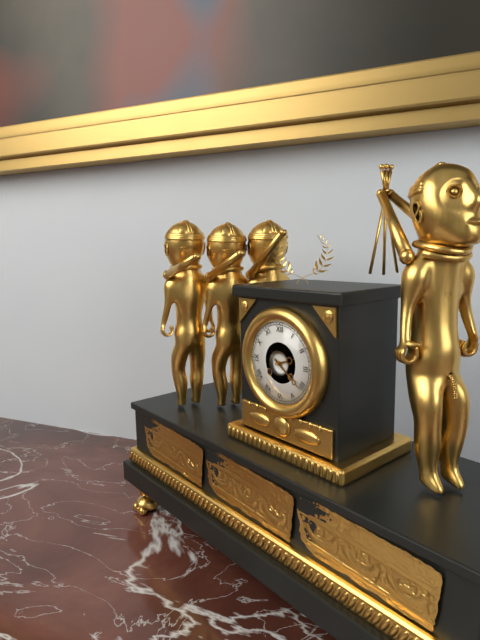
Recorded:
2,21
